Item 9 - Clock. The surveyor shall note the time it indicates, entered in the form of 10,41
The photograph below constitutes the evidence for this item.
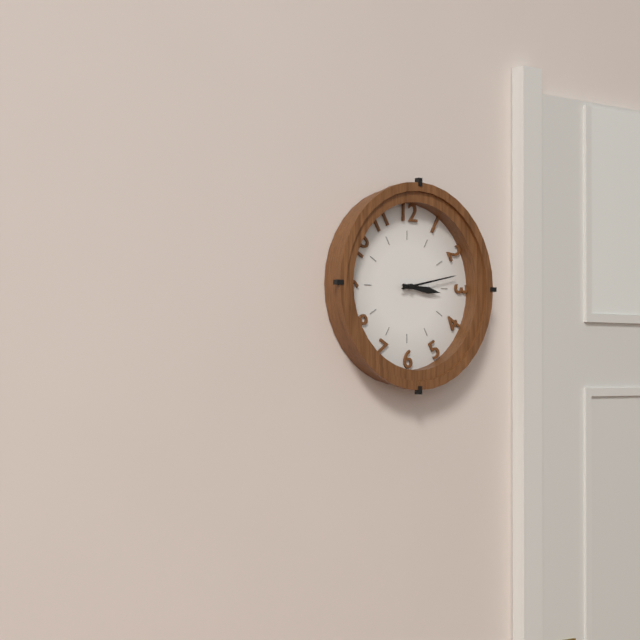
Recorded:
3,13
